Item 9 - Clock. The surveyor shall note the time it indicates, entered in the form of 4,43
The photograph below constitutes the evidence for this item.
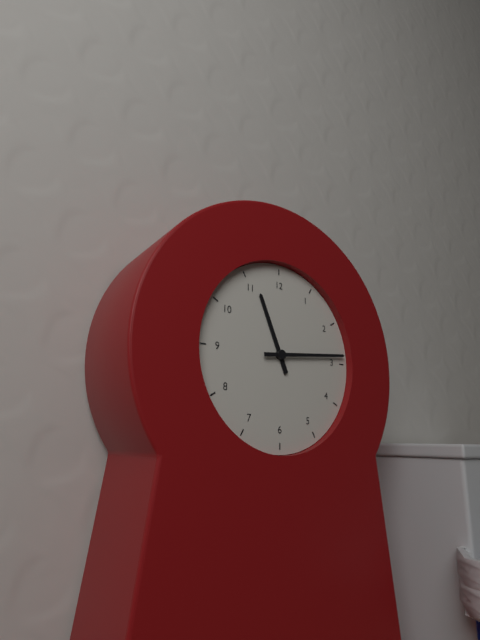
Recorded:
11,14
